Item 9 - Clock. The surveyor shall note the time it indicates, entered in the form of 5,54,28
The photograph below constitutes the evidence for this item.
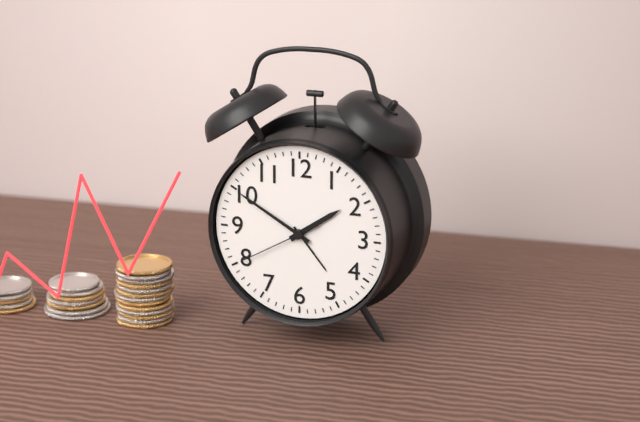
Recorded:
1,50,40
